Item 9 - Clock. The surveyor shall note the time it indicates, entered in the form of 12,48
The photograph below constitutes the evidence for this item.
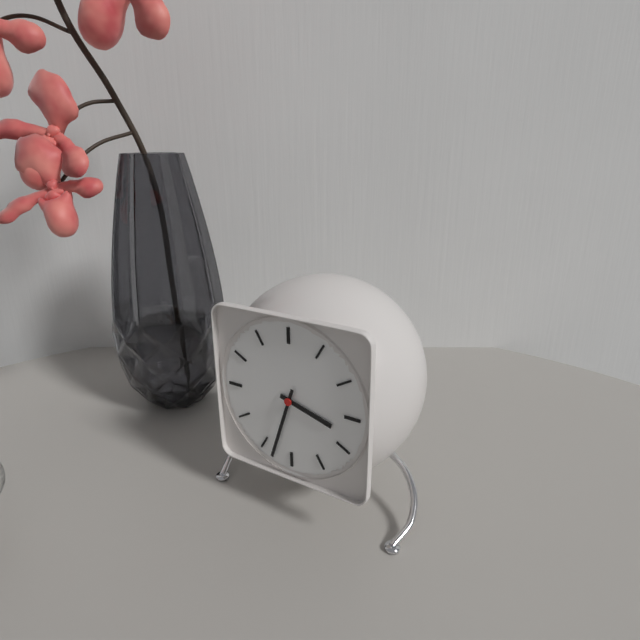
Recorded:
3,33
